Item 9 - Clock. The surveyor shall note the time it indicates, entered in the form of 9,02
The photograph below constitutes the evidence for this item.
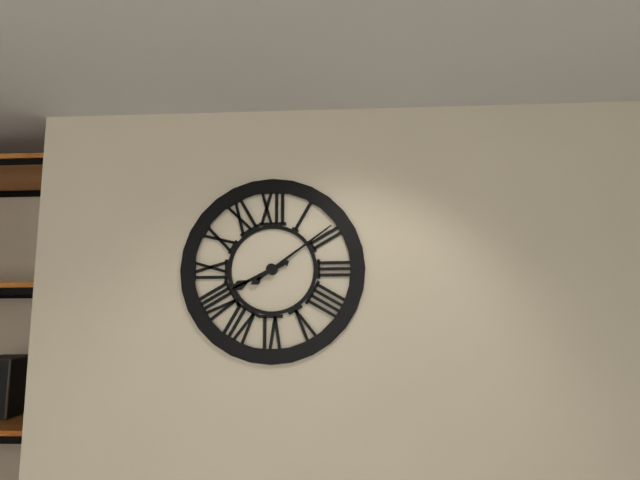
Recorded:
8,09
